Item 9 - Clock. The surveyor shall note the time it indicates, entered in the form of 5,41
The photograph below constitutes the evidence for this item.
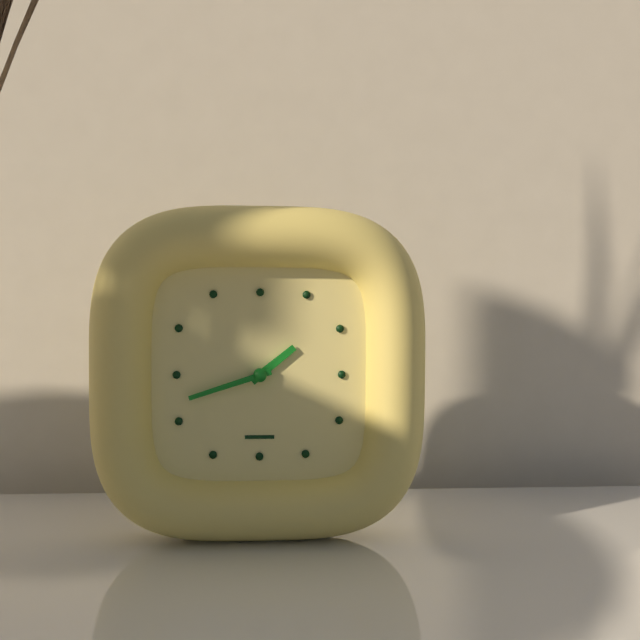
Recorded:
1,42
